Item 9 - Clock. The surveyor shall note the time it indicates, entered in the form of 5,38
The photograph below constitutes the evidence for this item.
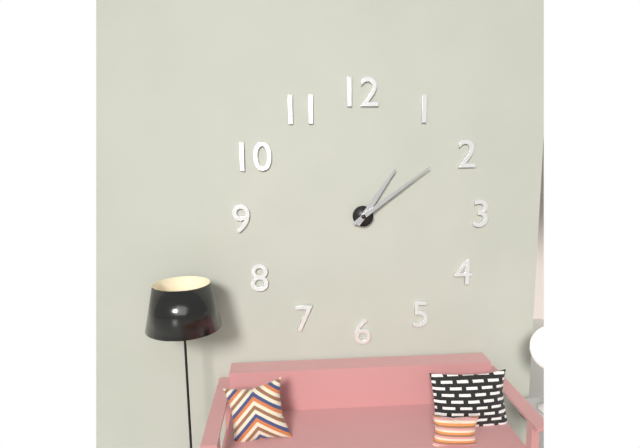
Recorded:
1,09
